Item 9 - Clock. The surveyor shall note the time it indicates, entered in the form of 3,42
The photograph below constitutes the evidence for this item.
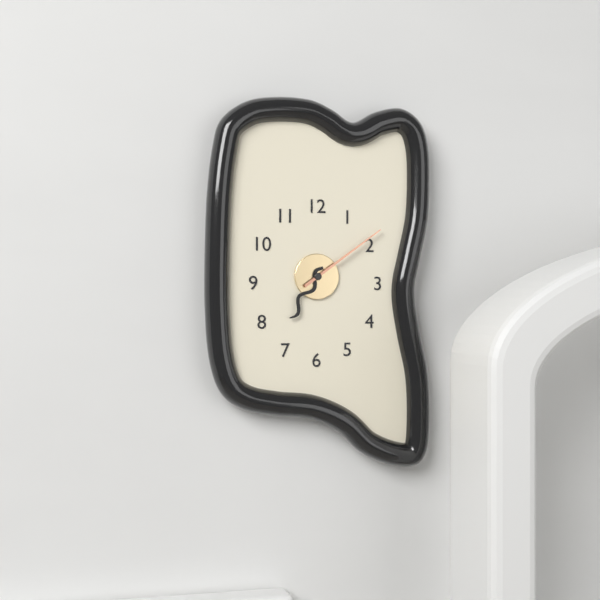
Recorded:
7,09
